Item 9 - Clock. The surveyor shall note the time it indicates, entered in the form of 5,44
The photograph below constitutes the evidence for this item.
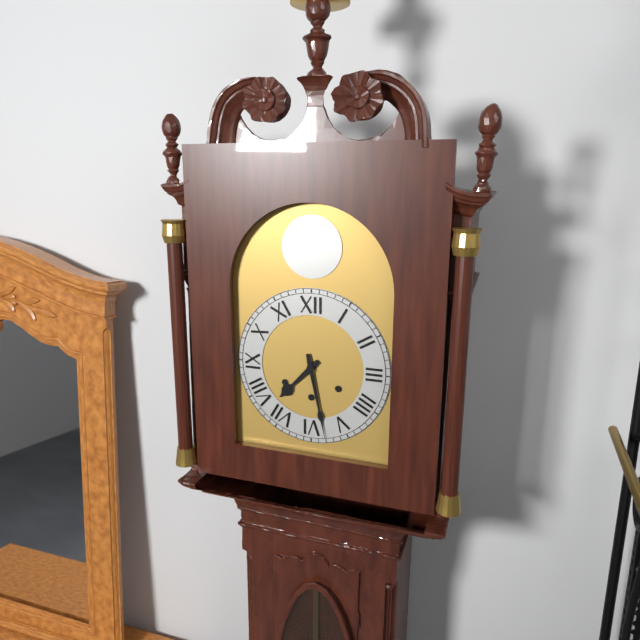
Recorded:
7,28
